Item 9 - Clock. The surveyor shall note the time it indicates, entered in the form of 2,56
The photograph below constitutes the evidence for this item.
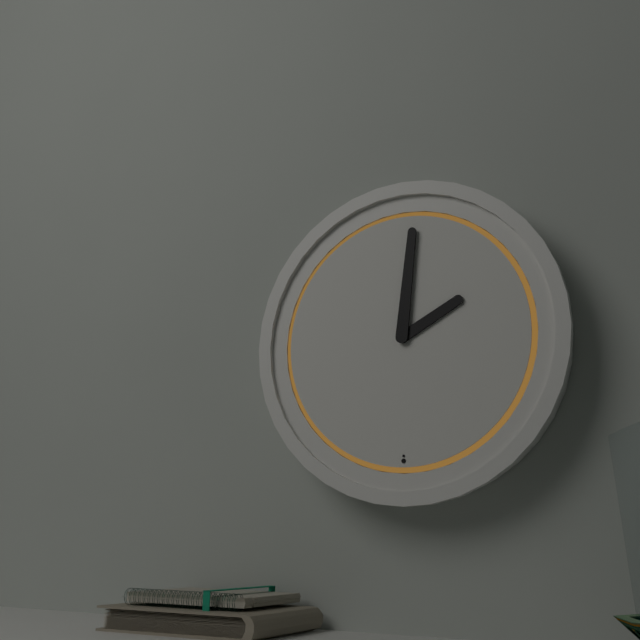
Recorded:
2,01
